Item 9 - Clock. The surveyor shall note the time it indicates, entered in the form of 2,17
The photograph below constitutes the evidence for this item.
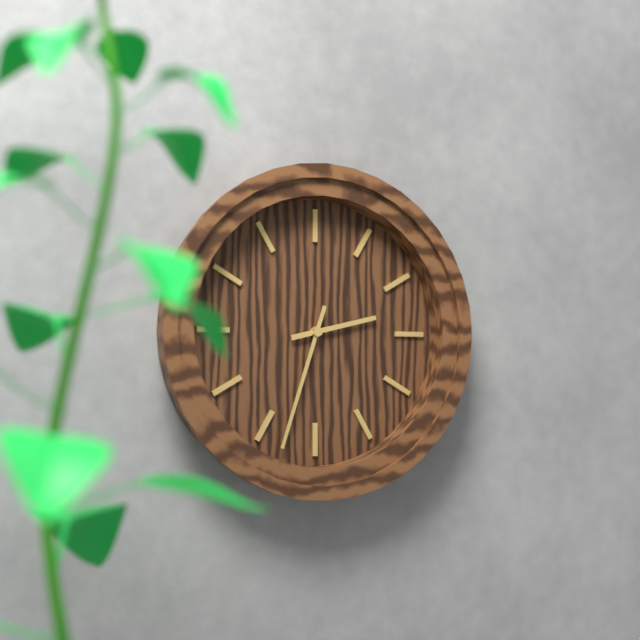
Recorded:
2,33
